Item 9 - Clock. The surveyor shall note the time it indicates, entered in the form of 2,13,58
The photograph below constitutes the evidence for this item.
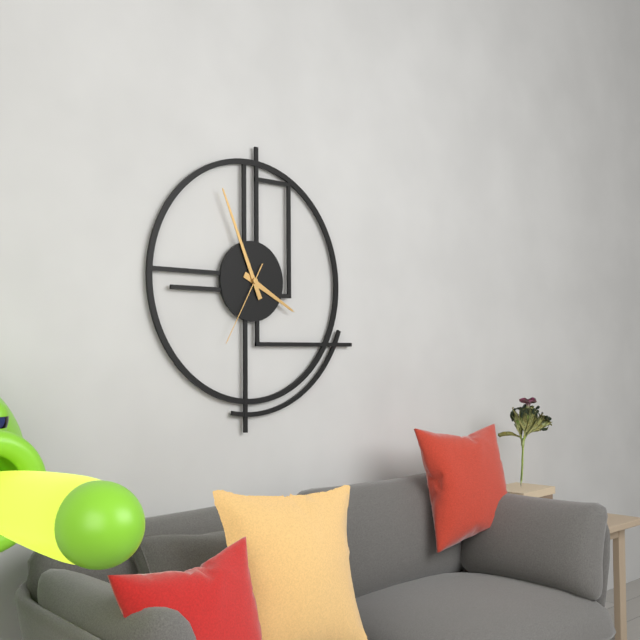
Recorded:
3,56,35
